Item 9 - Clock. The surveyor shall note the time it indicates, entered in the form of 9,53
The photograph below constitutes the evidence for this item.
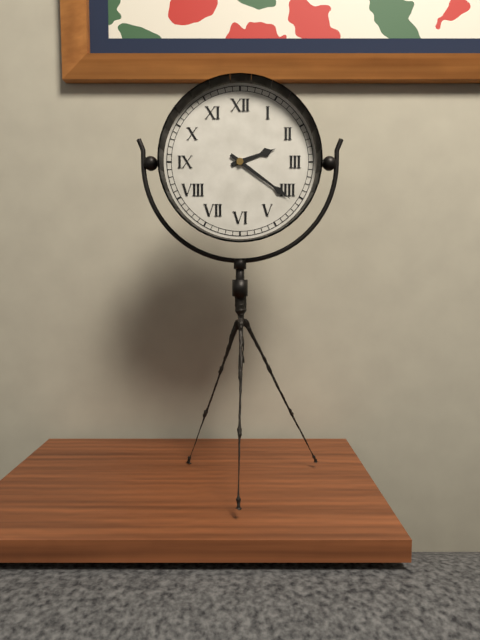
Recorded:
2,21
